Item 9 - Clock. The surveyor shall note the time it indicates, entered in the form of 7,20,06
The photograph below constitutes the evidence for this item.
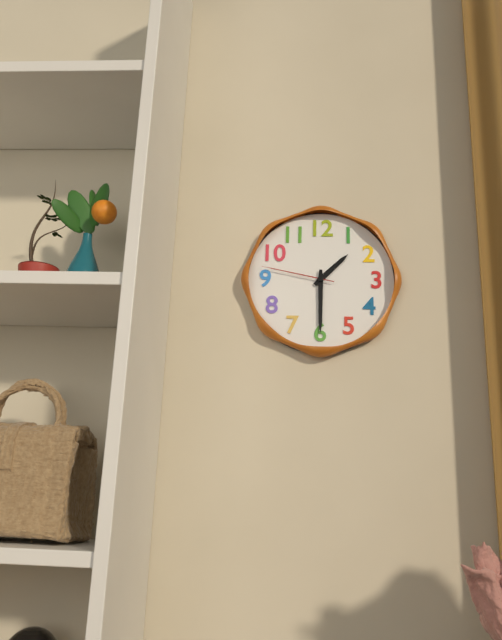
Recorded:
1,30,47
